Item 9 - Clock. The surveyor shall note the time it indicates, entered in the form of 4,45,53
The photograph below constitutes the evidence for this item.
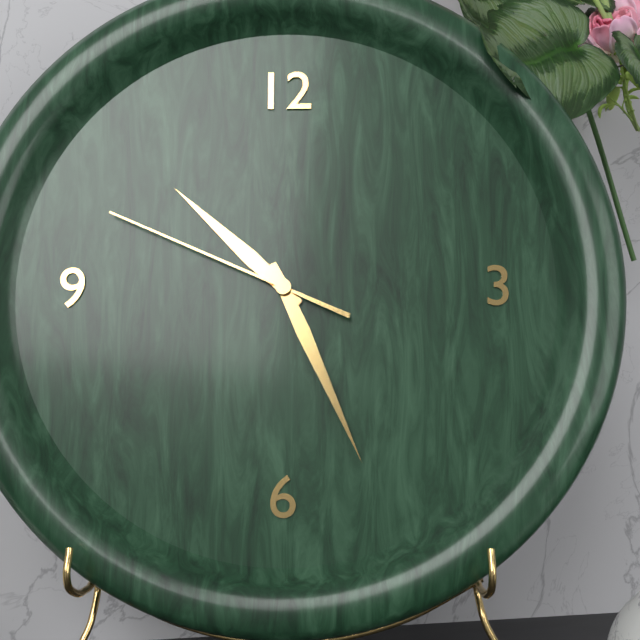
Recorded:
10,26,49
